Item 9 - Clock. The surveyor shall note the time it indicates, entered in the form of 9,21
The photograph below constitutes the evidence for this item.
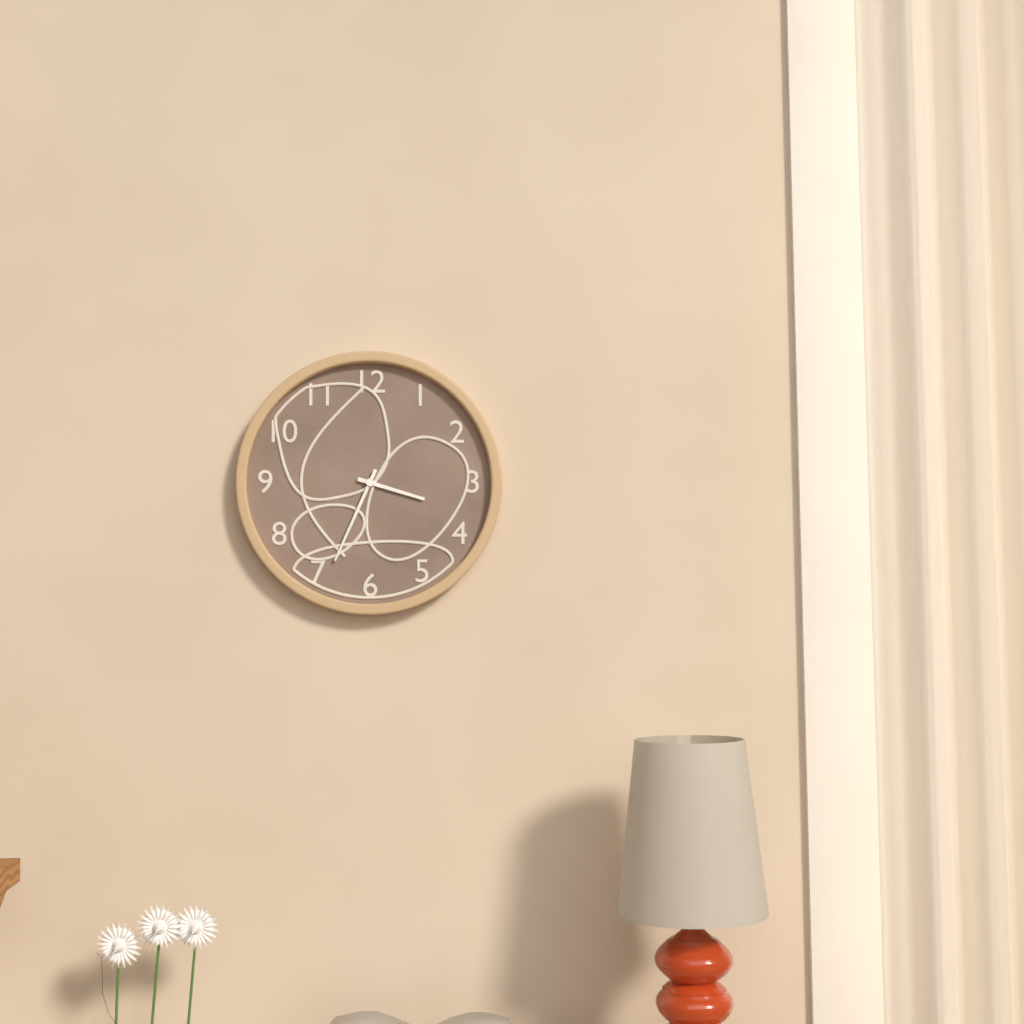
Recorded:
3,34
